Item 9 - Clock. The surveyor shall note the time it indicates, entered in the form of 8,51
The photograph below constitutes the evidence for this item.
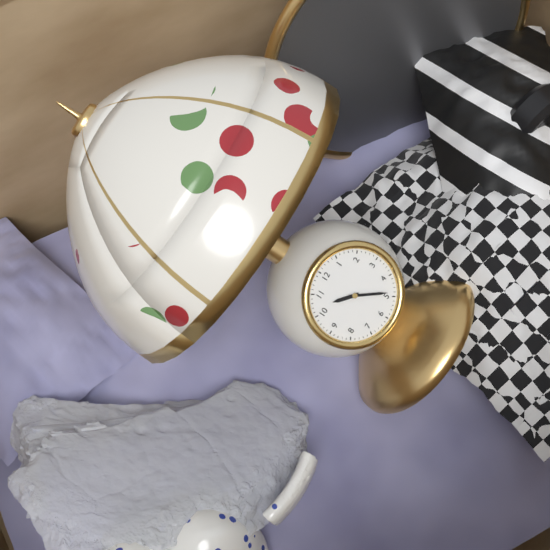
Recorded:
10,24
